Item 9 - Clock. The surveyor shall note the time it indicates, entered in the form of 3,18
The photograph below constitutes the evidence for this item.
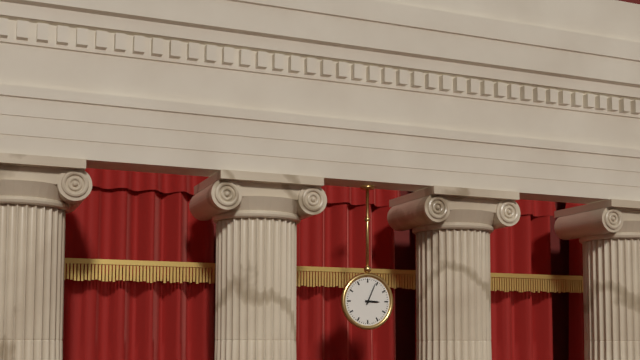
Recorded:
3,04
